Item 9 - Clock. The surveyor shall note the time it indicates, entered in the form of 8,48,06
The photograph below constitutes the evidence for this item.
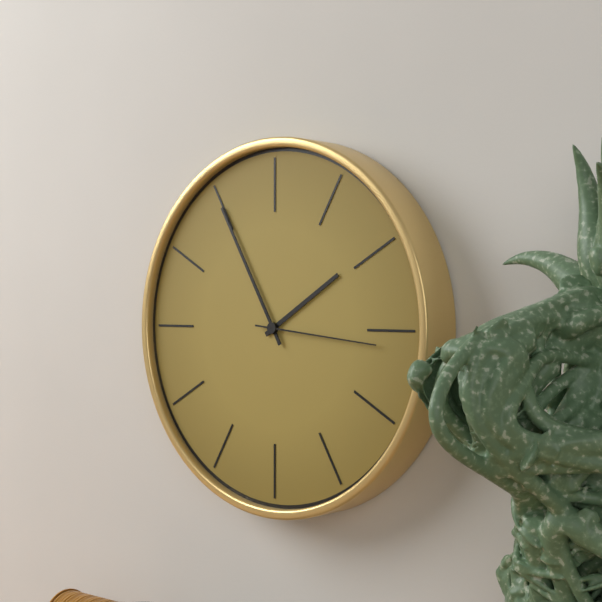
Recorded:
1,55,16
